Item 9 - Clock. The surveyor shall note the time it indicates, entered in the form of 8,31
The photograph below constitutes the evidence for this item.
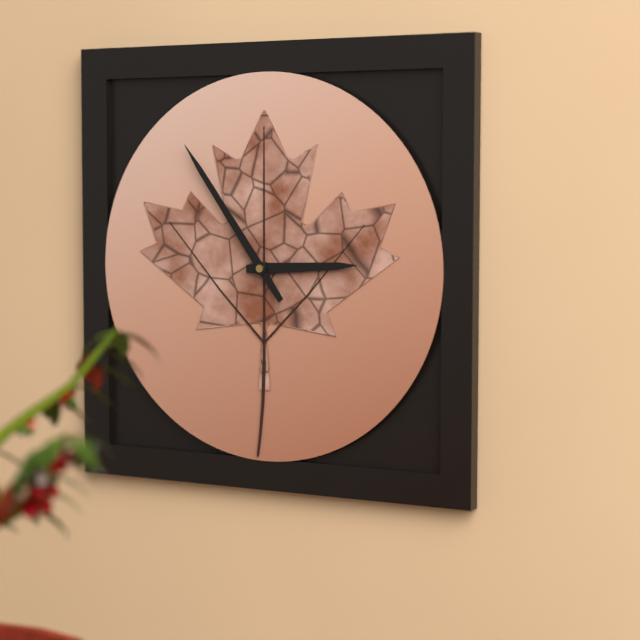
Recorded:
2,54
